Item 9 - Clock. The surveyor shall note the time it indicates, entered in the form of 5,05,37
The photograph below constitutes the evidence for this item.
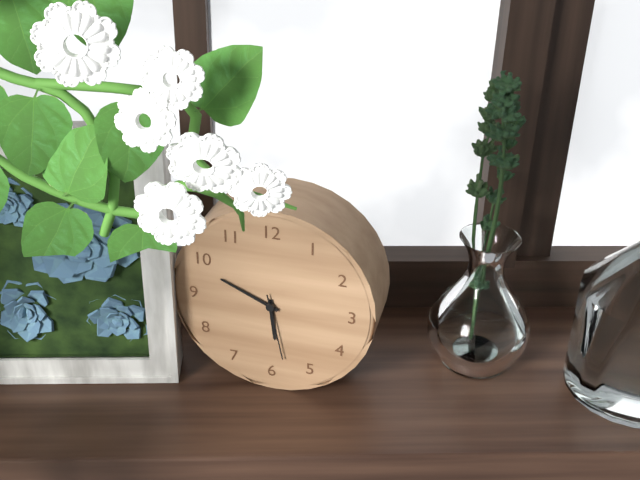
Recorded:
5,49,28
